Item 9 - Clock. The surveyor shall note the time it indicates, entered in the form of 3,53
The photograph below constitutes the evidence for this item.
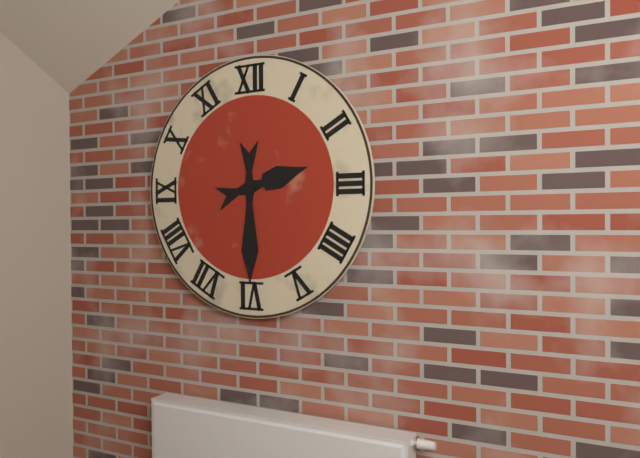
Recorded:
2,30
